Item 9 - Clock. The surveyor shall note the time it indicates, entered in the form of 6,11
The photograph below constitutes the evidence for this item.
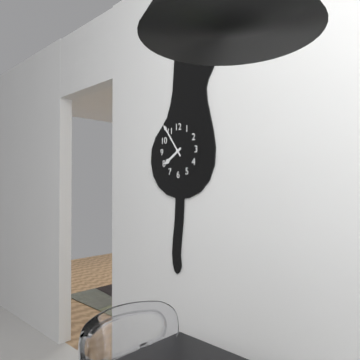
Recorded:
7,54
